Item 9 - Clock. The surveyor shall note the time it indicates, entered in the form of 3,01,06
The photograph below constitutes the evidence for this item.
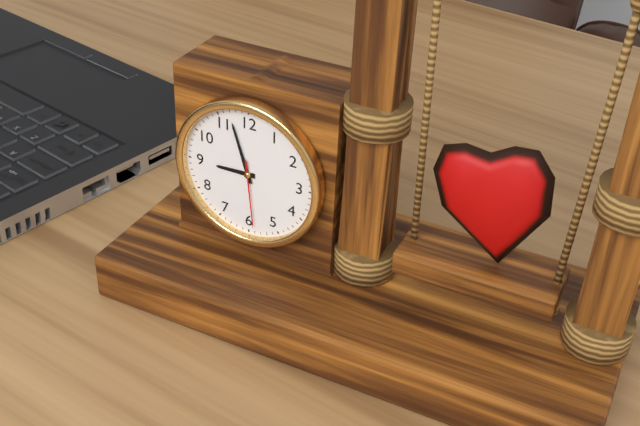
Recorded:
8,57,29
